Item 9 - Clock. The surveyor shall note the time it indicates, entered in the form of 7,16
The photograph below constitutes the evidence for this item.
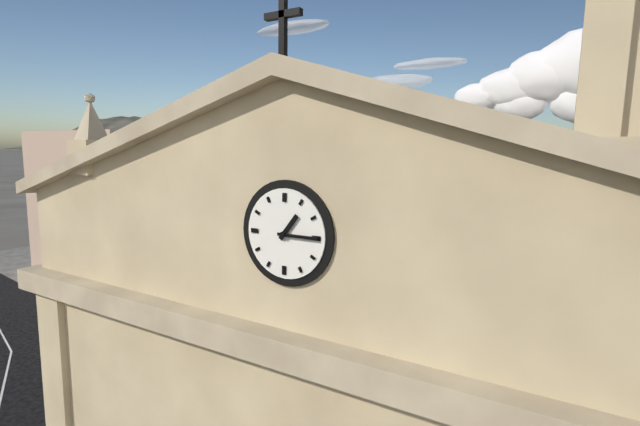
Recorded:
1,15
